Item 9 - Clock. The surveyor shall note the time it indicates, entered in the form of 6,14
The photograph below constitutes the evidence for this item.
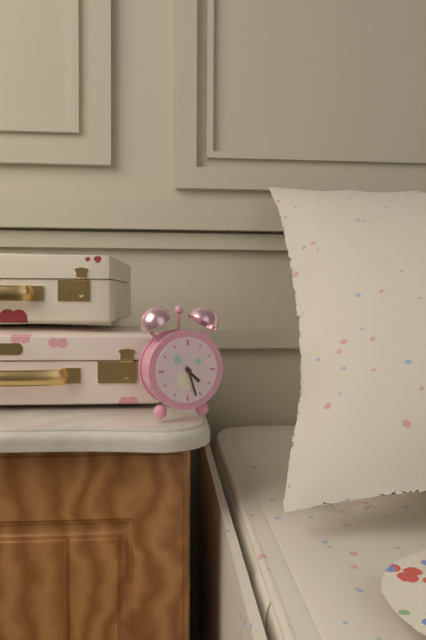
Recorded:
4,27
